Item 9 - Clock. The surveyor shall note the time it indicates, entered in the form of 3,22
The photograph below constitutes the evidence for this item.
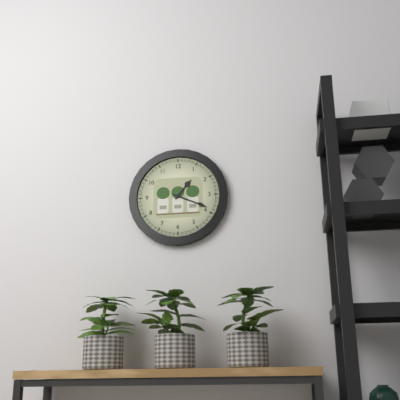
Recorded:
1,19
